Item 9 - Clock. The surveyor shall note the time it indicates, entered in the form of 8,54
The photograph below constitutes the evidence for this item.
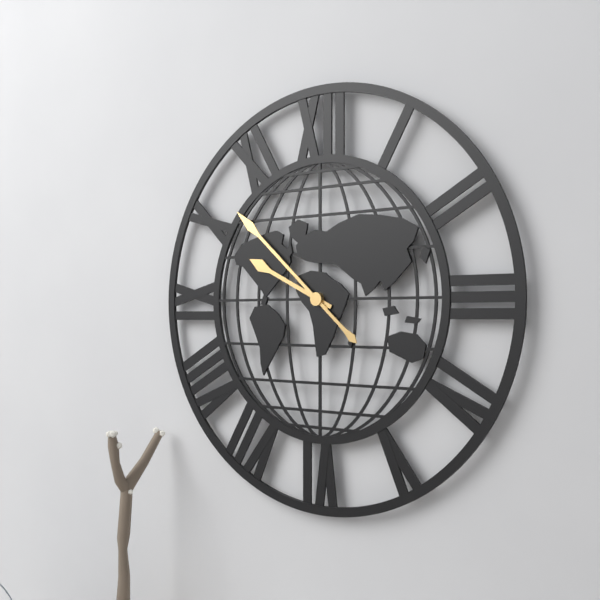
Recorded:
9,52
